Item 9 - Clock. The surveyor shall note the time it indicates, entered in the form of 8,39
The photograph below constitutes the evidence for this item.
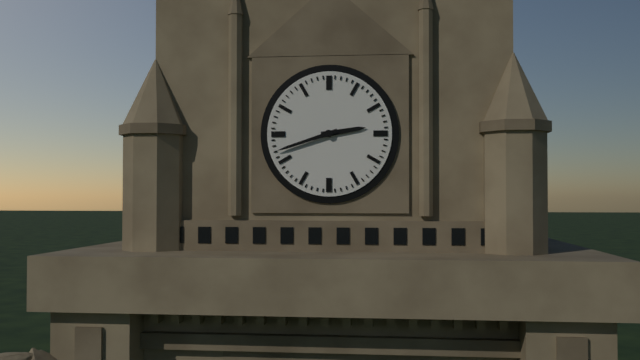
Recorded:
2,42
